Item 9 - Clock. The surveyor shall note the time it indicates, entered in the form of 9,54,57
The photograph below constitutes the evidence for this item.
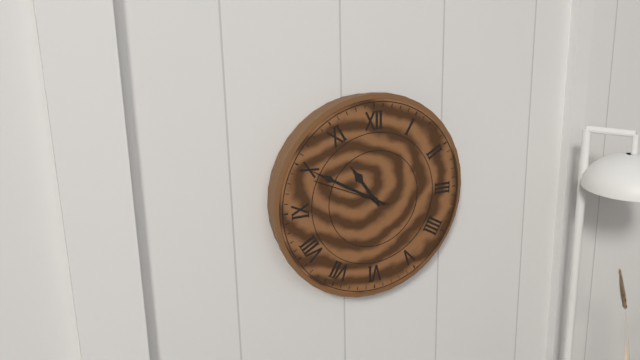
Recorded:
10,50,49
